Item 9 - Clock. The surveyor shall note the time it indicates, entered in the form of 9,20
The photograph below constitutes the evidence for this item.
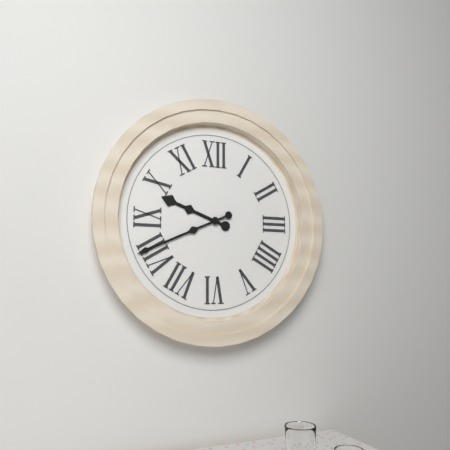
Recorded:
9,41
